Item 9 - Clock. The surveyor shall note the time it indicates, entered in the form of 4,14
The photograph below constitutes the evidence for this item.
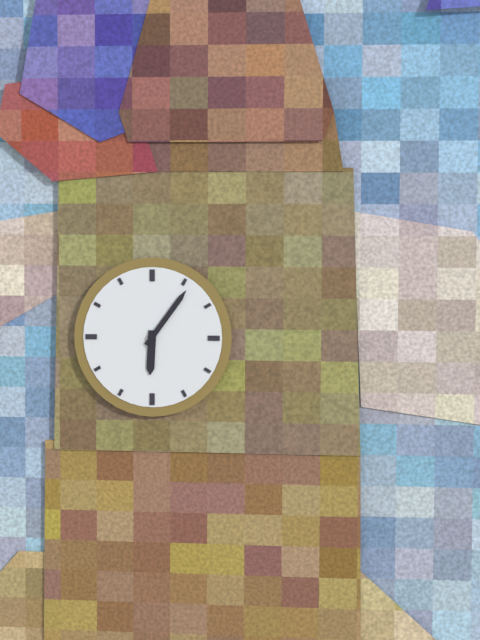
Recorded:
6,06
